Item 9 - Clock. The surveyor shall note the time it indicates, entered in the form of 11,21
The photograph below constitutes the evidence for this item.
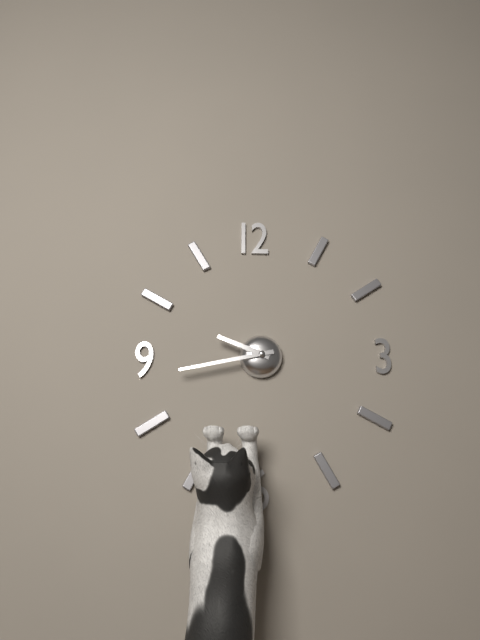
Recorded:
9,43
